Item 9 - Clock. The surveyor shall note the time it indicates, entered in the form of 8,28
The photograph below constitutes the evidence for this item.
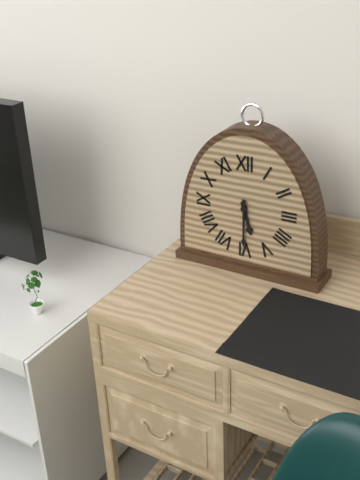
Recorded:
5,30
